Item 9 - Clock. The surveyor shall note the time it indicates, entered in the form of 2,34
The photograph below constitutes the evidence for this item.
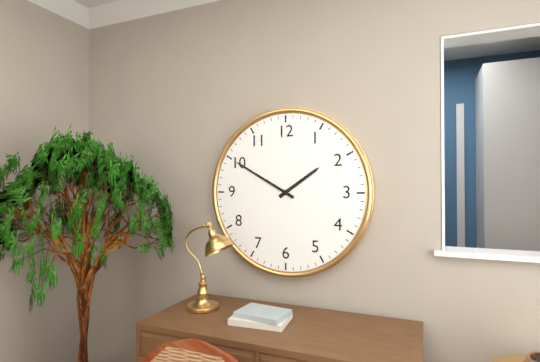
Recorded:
1,50
